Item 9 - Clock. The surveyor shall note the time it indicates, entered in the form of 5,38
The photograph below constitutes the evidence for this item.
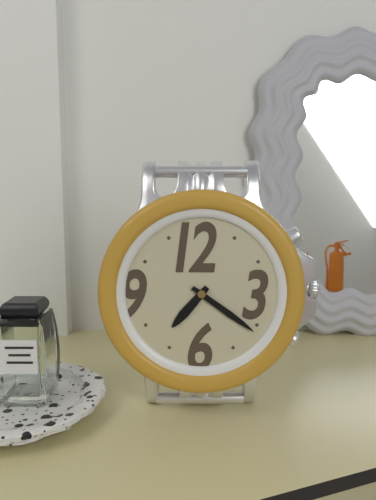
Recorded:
7,21
